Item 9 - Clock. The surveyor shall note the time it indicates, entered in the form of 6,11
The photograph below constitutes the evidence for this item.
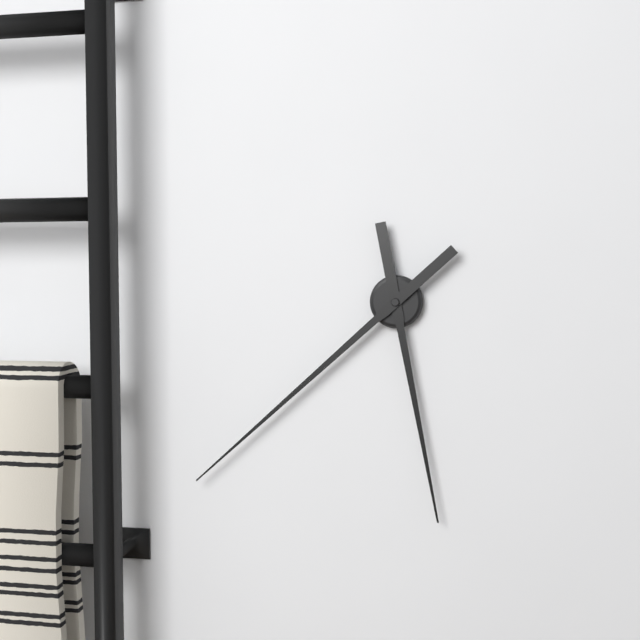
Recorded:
5,38
